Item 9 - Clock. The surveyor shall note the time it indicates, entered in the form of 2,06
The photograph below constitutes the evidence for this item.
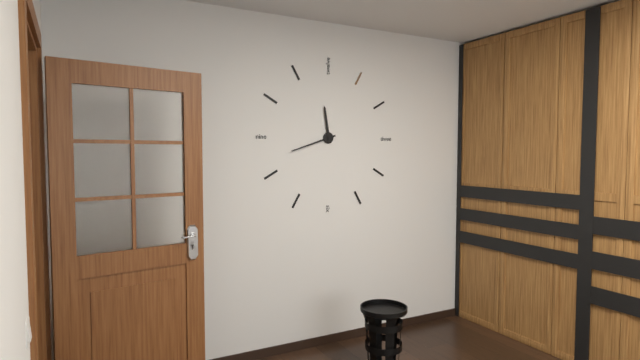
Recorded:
11,42
